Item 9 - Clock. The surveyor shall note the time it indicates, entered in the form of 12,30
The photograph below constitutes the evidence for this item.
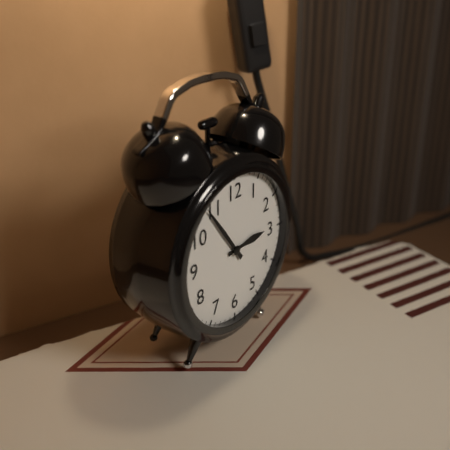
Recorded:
2,54
